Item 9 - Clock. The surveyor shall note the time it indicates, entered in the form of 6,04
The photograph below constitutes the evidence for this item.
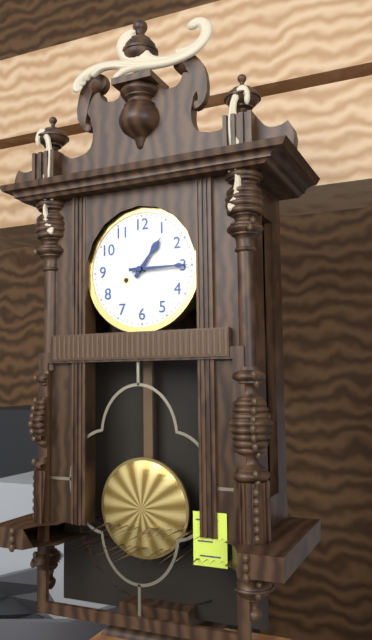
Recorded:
1,15
